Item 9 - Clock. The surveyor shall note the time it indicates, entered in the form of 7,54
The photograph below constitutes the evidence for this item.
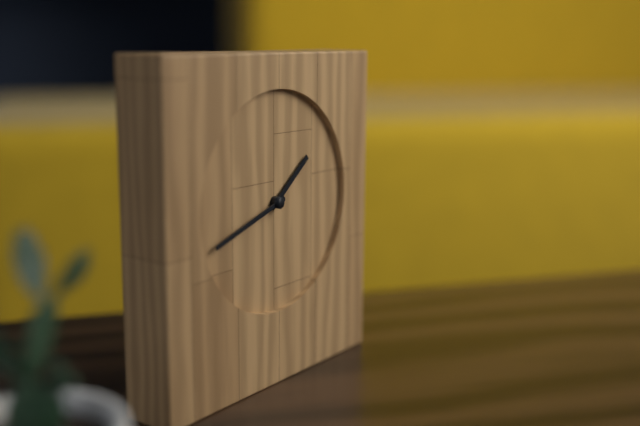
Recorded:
1,42
